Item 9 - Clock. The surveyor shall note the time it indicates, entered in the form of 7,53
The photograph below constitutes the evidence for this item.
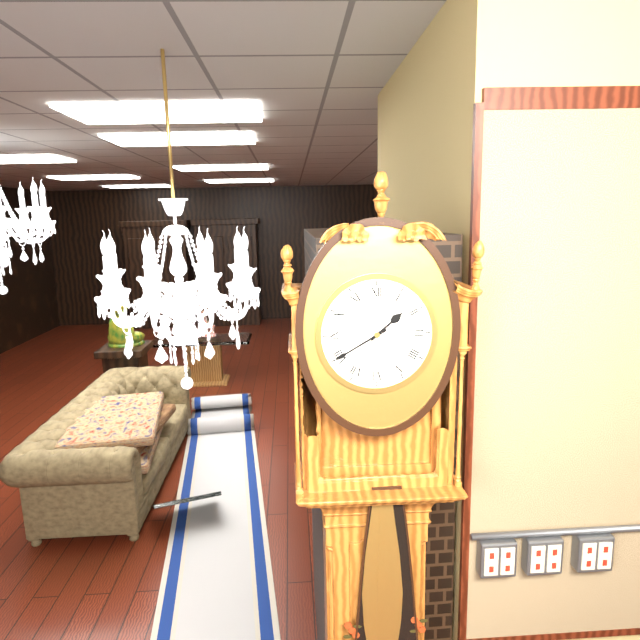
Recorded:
1,40
